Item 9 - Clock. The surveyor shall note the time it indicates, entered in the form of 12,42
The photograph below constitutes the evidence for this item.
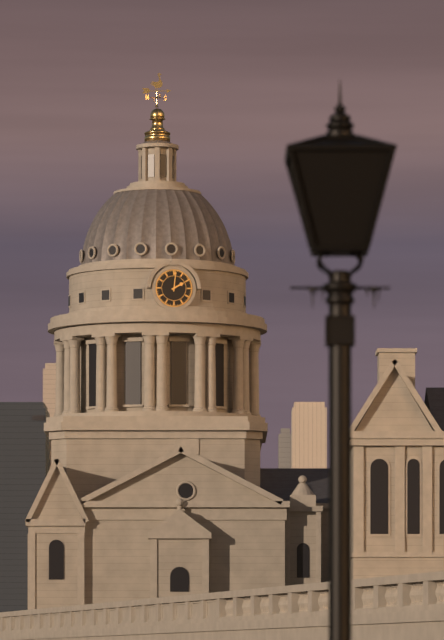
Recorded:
2,01
